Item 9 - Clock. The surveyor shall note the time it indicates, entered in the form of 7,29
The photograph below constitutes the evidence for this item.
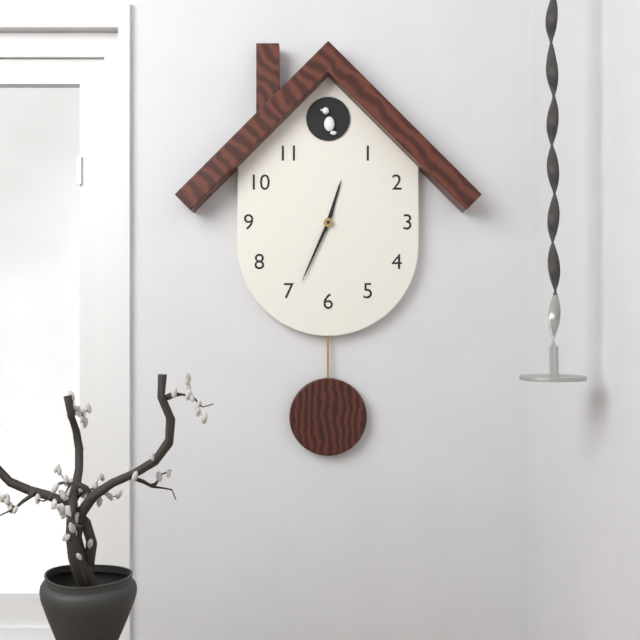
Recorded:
12,34
